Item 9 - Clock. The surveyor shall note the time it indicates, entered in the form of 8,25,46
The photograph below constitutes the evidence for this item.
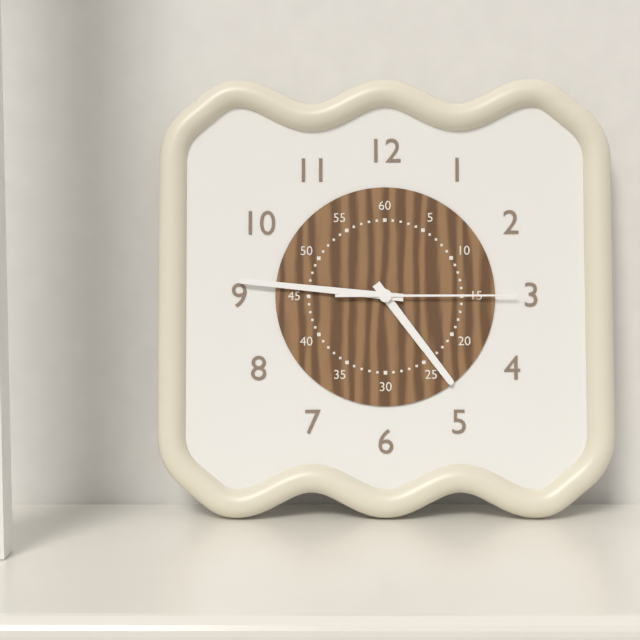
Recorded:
4,46,15
